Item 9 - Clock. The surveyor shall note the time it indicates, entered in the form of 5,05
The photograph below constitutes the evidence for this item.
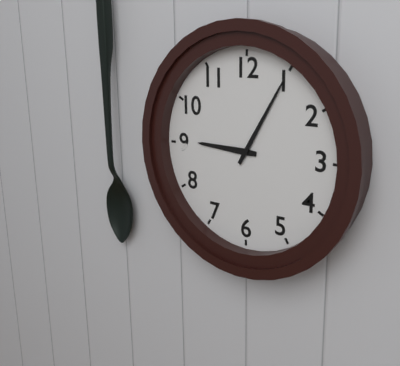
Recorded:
9,05
